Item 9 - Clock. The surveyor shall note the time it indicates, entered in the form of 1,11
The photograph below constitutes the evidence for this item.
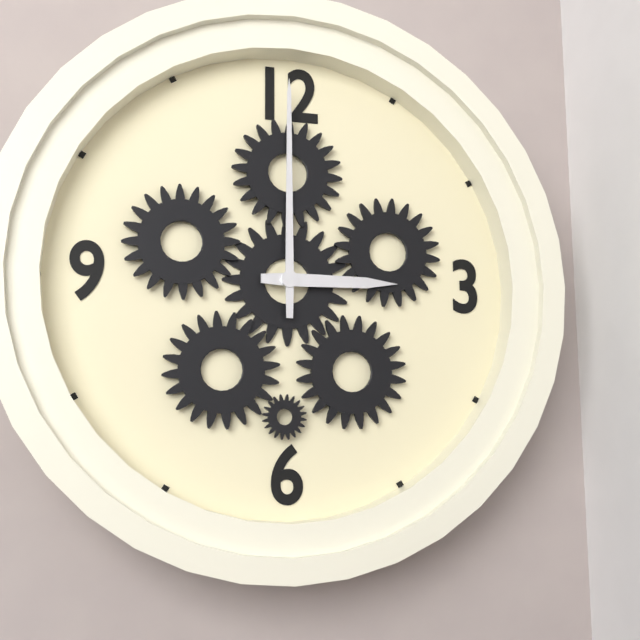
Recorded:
3,00
